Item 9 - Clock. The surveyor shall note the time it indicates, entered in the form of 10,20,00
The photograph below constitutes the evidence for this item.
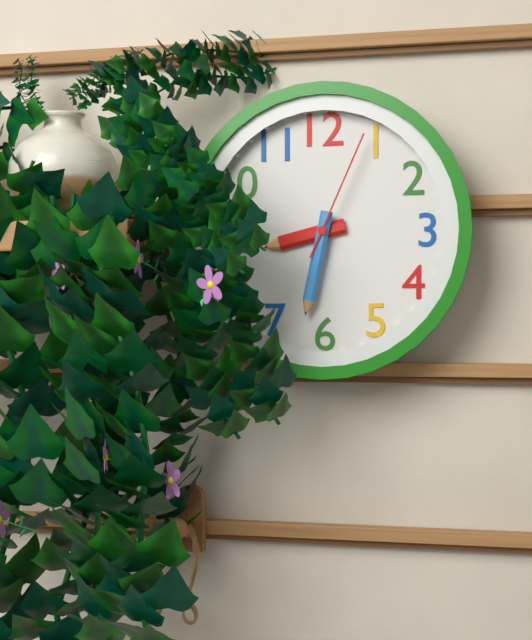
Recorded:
8,32,04
